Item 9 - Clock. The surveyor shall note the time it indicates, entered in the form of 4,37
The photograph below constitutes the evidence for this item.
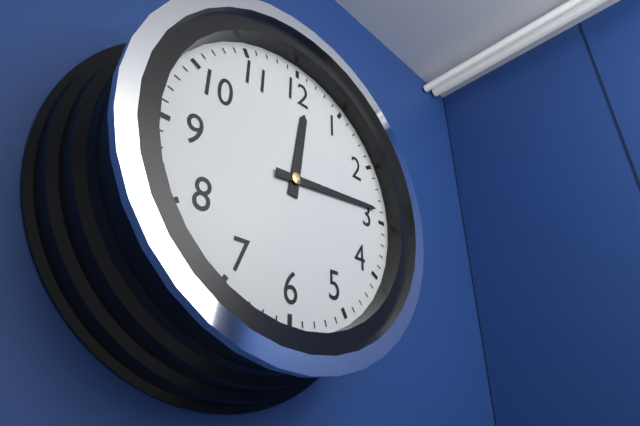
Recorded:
12,14
